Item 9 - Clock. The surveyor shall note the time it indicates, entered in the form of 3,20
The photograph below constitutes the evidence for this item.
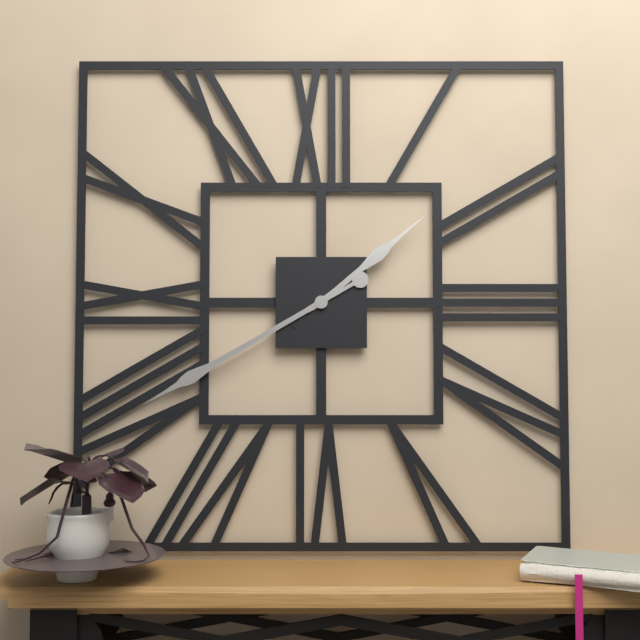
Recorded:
1,40
